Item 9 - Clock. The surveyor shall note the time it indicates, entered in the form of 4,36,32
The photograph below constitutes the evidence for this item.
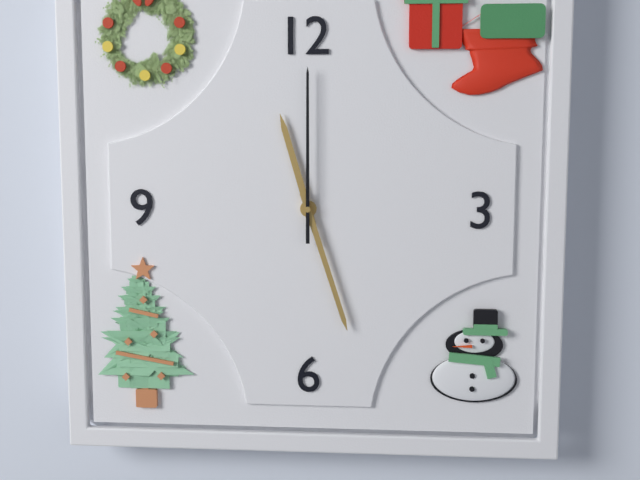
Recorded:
11,27,00
